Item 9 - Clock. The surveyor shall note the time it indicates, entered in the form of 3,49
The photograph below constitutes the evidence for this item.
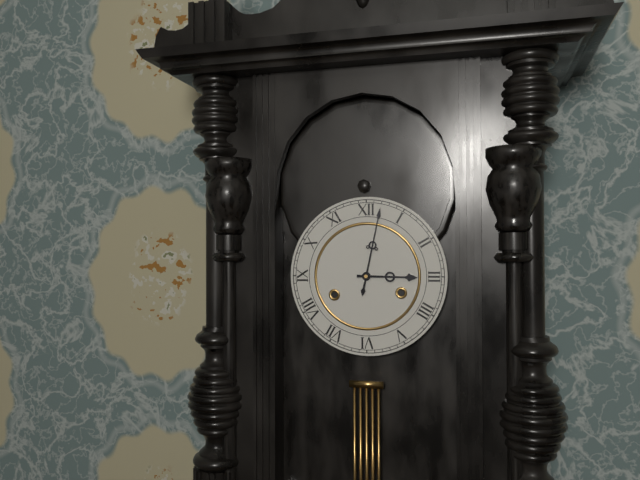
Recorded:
3,02
